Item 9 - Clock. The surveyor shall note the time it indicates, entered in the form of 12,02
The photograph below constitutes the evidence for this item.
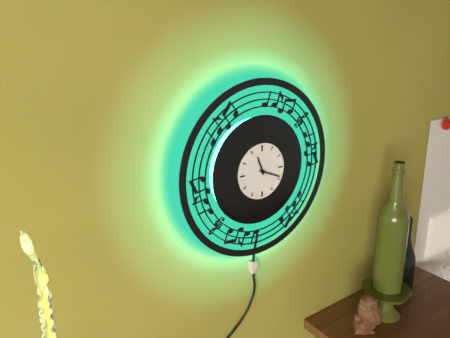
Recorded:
11,19
